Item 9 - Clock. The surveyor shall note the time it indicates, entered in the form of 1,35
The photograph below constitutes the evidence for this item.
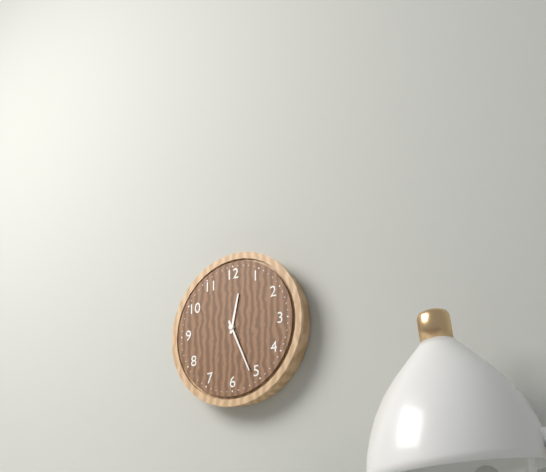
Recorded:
12,26
